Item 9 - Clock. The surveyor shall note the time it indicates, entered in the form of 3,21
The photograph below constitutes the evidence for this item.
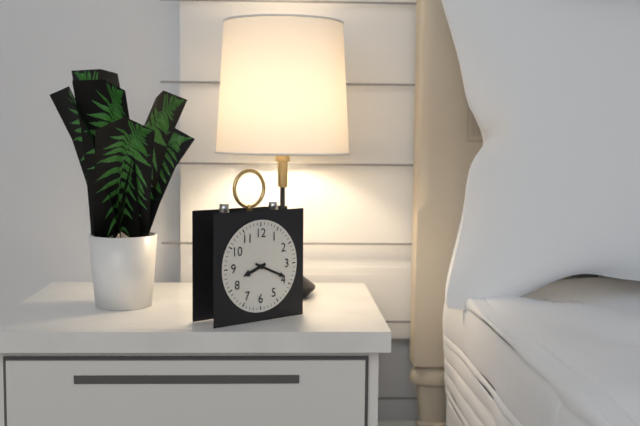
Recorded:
8,19
